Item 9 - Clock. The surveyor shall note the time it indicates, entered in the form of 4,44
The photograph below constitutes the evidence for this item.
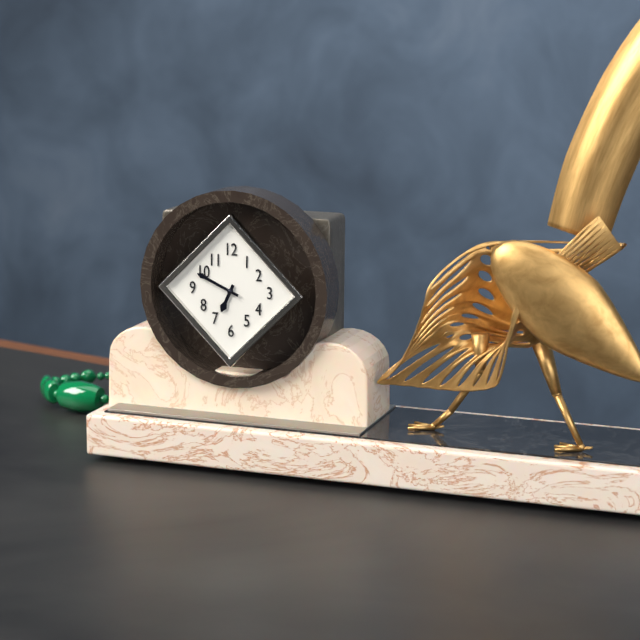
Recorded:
6,49
